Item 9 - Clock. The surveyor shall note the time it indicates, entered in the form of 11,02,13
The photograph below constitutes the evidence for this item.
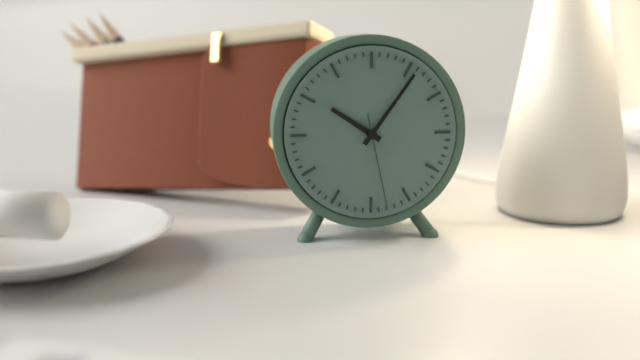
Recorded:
10,06,28
